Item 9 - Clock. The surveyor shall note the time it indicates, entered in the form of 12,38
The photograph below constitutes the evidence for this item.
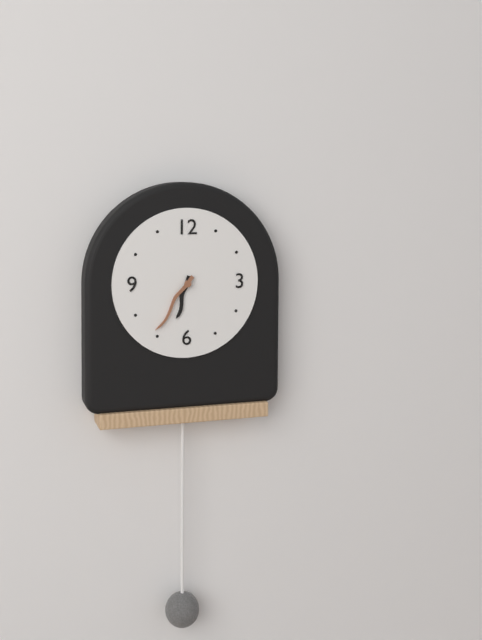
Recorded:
6,36
